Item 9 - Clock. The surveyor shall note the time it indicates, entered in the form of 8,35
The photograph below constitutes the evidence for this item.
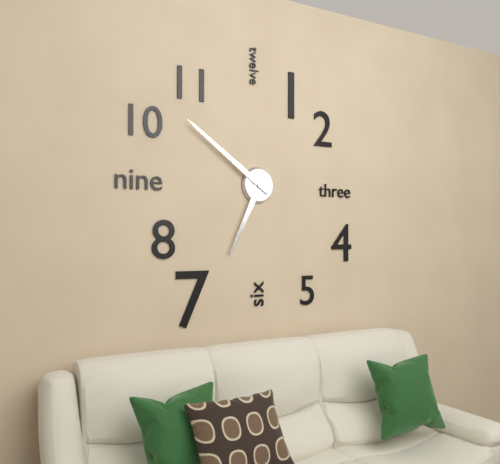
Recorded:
6,51
